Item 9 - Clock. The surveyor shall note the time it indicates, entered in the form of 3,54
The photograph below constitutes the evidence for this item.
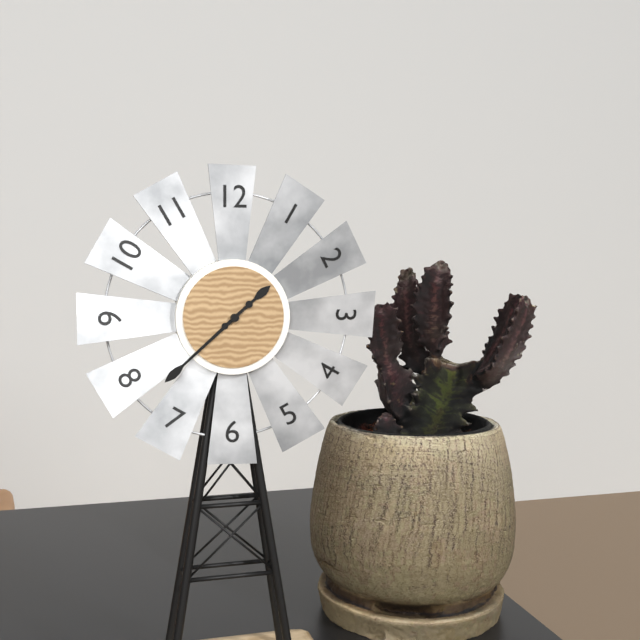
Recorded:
1,38
